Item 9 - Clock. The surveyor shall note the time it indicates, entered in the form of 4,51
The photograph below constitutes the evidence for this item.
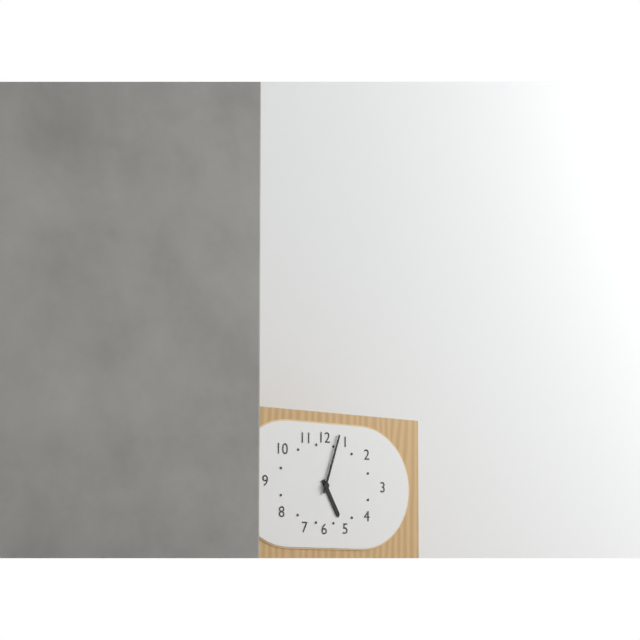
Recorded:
5,03
